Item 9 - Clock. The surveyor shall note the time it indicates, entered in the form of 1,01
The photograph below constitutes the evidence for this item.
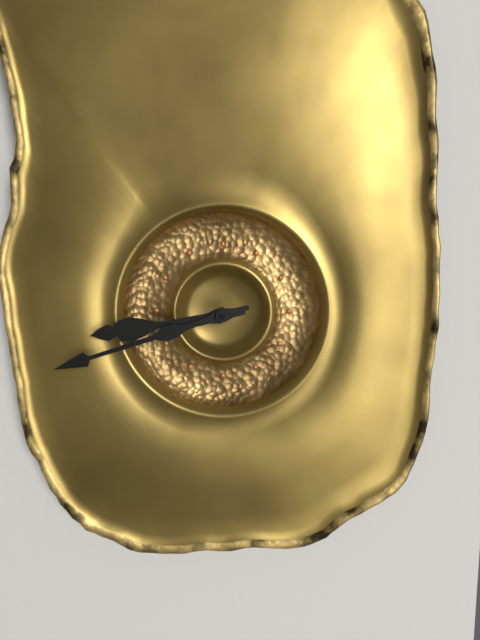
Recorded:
8,42
